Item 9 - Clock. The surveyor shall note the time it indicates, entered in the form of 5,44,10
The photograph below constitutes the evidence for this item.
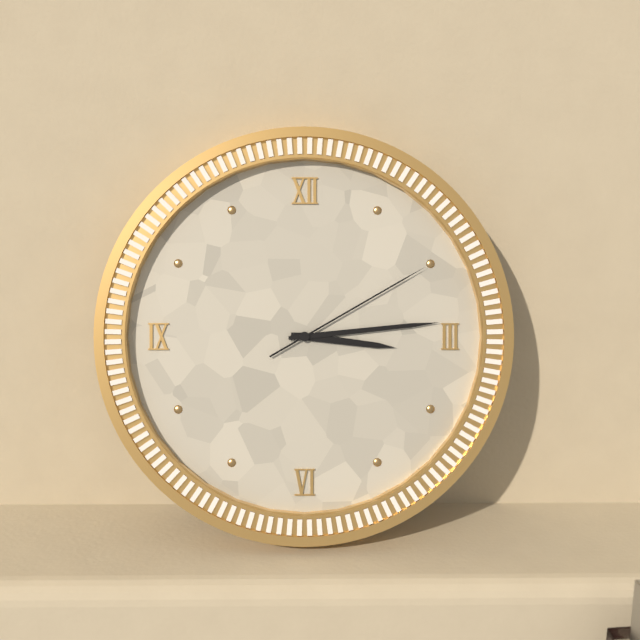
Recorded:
3,14,10
